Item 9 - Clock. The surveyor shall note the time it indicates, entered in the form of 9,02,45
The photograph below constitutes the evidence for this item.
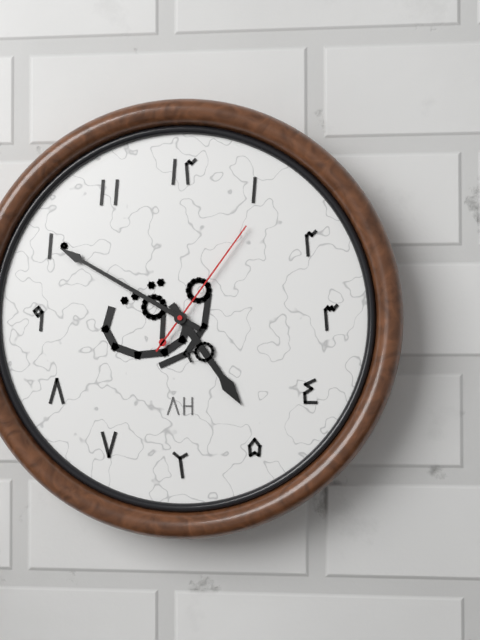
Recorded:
4,50,06
